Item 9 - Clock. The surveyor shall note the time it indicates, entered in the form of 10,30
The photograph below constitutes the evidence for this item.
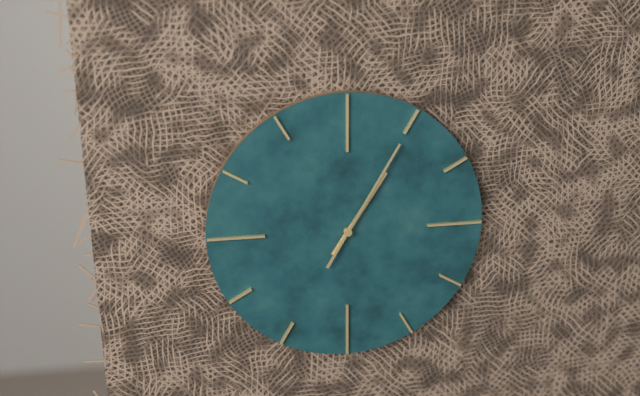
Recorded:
1,05
